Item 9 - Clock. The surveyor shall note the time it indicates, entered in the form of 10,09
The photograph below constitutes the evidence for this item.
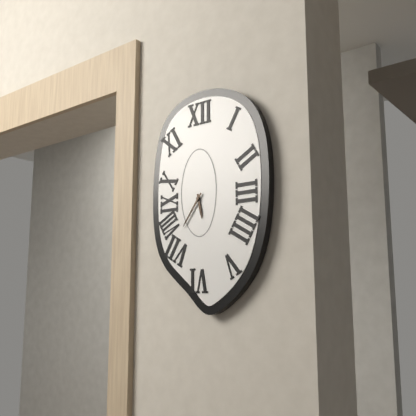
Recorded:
5,36
